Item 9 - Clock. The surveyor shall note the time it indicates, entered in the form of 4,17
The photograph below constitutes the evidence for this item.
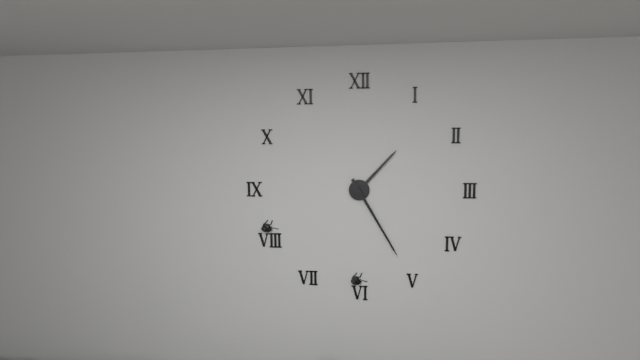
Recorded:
1,25
